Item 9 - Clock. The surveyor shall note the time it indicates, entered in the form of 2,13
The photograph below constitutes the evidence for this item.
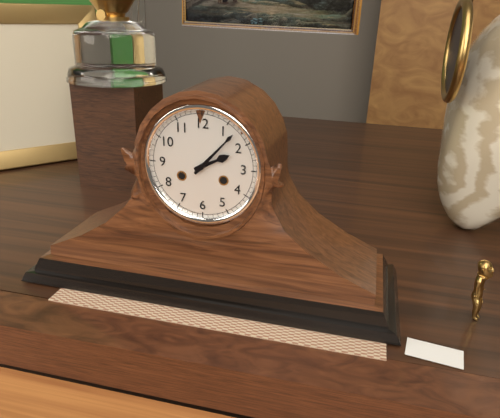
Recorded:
2,07
